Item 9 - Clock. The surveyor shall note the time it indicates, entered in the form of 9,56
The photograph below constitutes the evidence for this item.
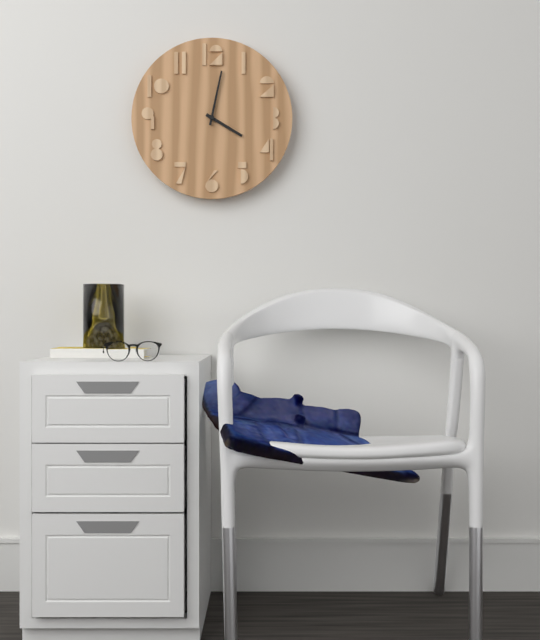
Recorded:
4,02
